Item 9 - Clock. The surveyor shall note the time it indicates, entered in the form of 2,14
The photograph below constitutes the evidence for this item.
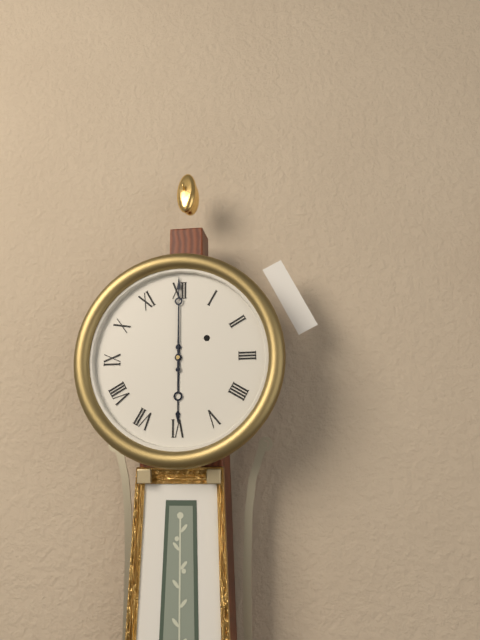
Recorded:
6,00
